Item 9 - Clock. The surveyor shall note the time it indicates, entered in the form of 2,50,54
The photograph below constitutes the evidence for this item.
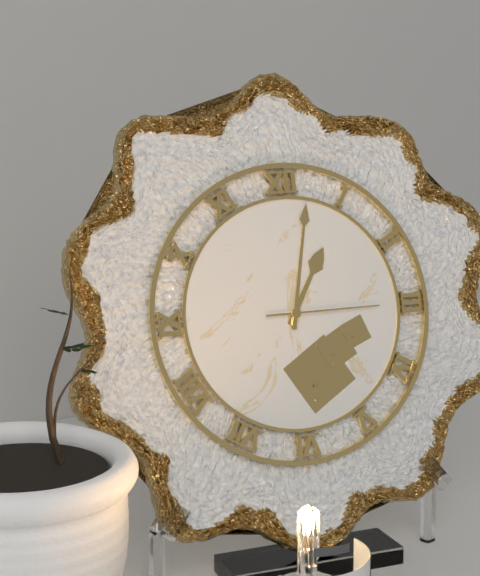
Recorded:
1,02,15
